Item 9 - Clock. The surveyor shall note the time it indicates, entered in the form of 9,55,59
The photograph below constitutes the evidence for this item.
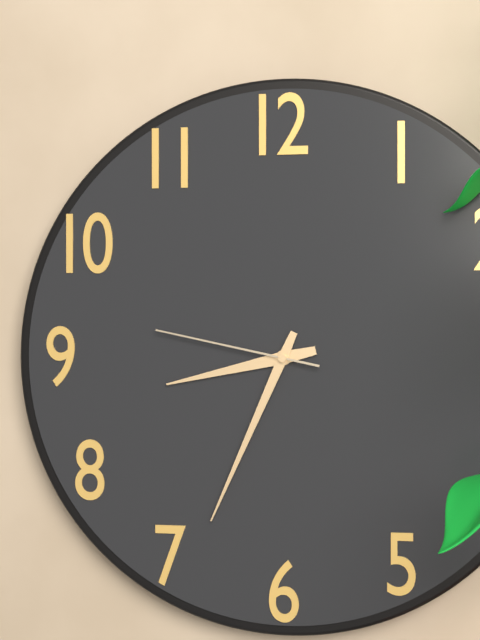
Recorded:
8,34,47
